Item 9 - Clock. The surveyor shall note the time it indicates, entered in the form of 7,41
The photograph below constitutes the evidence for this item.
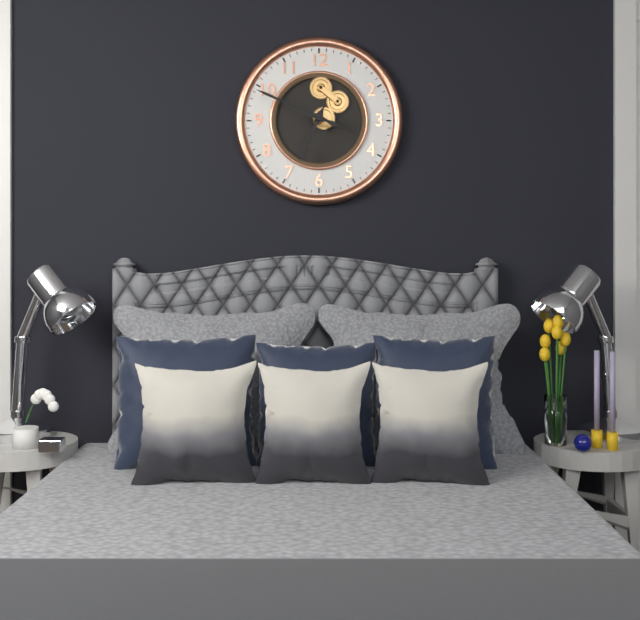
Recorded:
6,49
